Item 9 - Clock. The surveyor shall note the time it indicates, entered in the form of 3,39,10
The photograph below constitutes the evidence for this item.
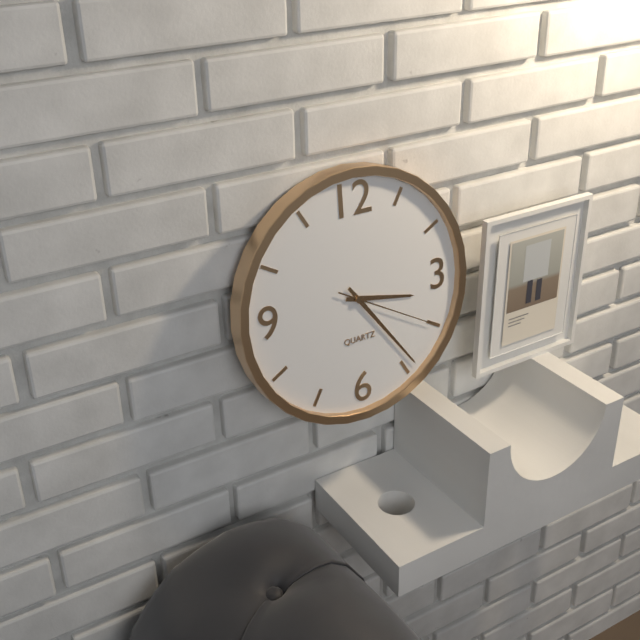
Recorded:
3,24,20
